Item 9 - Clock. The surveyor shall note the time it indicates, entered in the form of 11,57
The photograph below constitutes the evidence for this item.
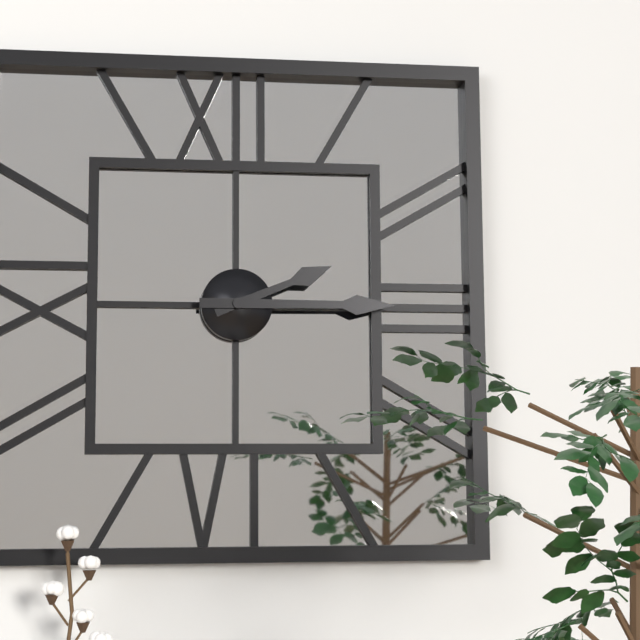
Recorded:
2,15
